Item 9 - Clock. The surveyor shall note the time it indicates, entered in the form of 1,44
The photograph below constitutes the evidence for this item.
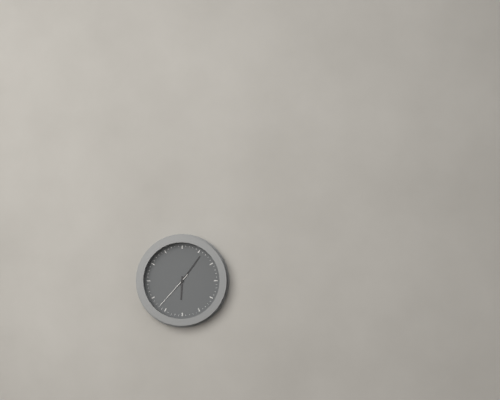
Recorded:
6,06
